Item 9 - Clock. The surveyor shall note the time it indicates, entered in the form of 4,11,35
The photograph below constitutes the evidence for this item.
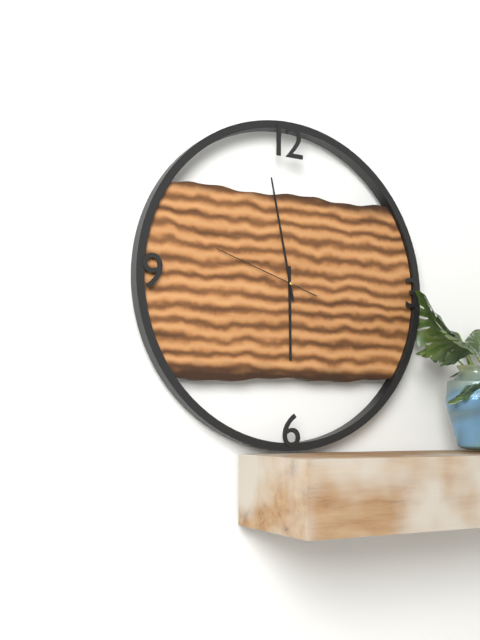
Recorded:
5,58,48
